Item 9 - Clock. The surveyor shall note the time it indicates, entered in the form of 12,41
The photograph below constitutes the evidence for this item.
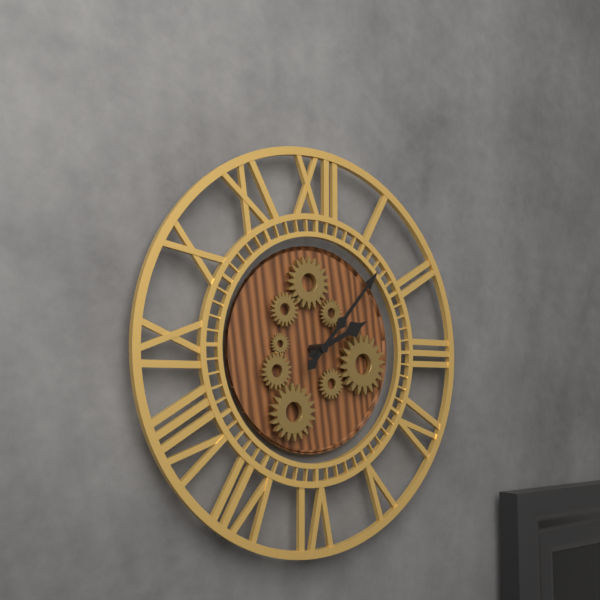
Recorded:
2,07
